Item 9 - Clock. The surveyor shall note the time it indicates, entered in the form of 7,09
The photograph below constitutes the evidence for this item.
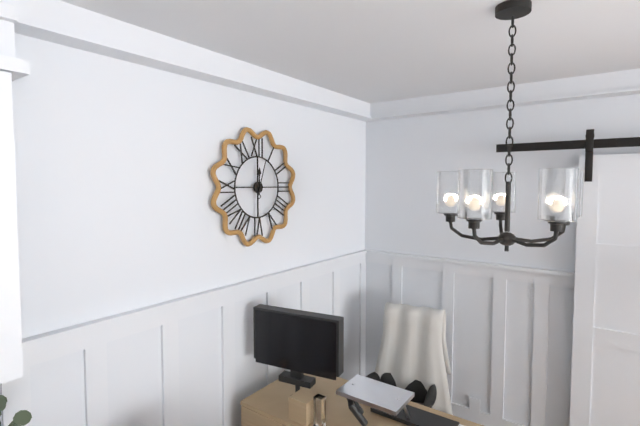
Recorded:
12,03
